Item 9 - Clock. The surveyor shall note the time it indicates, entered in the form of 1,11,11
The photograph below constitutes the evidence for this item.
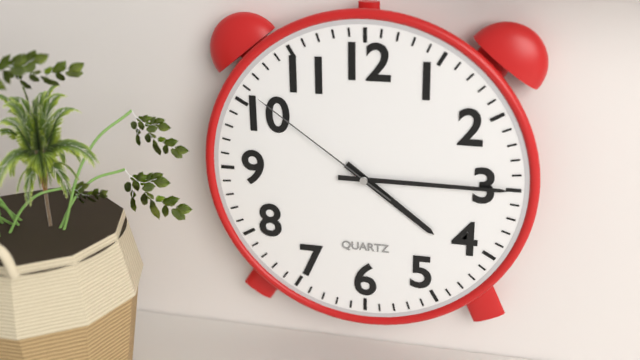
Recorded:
4,15,51
